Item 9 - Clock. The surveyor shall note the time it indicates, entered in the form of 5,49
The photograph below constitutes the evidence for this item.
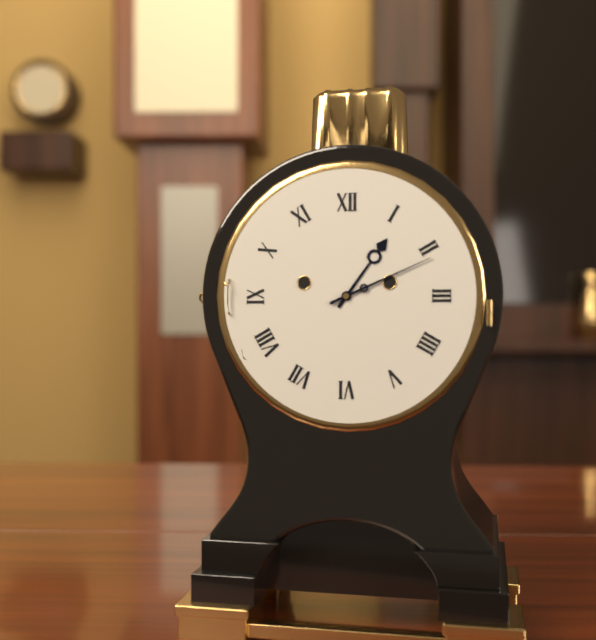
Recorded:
1,11
